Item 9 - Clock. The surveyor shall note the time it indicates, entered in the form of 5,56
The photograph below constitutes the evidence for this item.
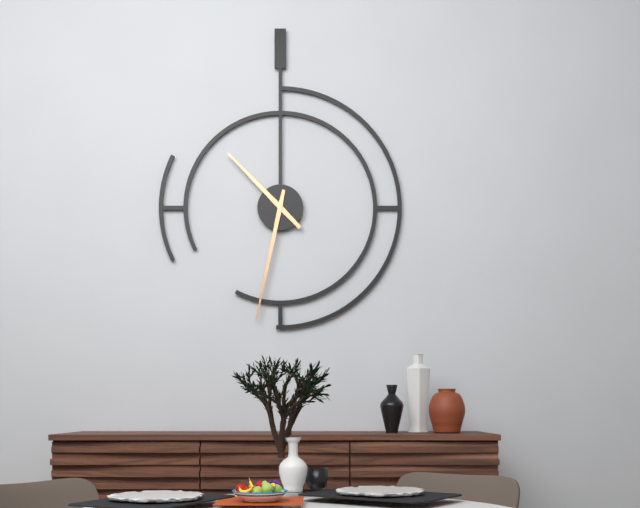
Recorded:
10,32
